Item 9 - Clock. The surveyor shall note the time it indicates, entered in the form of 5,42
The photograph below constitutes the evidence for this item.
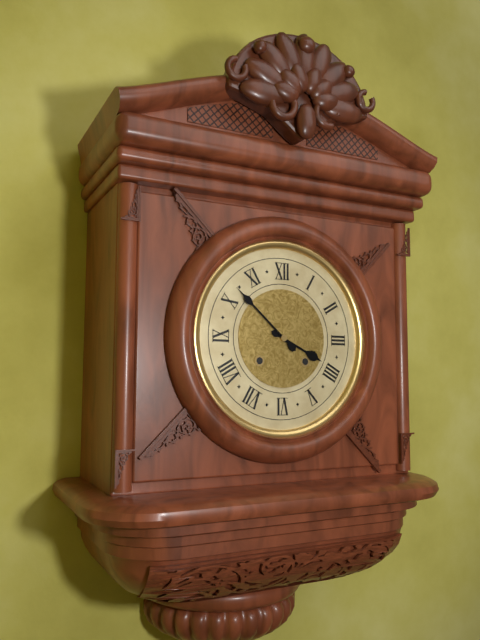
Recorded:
3,52
